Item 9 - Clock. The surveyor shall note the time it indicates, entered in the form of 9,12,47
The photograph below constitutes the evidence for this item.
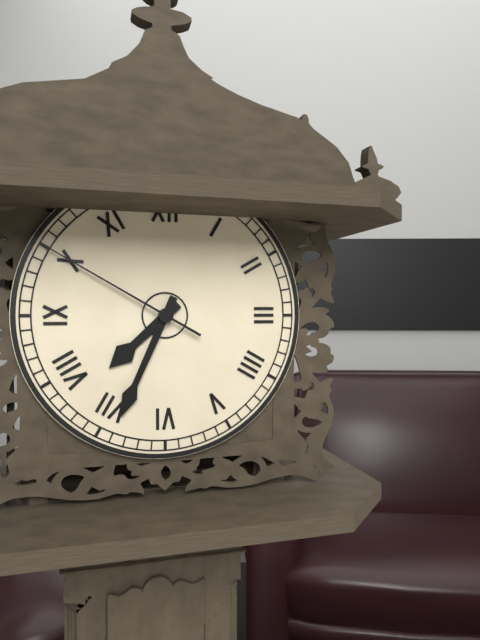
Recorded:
7,34,50
